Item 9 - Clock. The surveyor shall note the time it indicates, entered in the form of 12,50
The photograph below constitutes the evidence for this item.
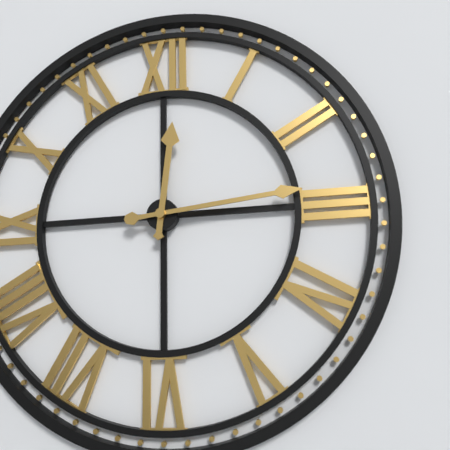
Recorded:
12,14
